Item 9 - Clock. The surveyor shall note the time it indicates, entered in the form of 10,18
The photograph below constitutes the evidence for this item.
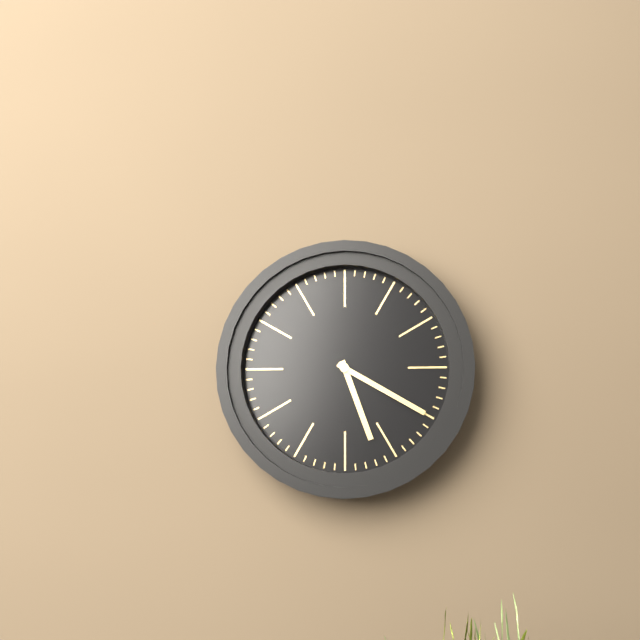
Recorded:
5,20
